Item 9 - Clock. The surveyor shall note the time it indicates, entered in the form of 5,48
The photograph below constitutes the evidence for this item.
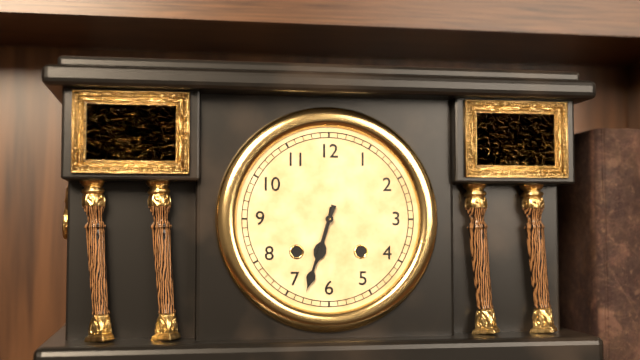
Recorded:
6,33
